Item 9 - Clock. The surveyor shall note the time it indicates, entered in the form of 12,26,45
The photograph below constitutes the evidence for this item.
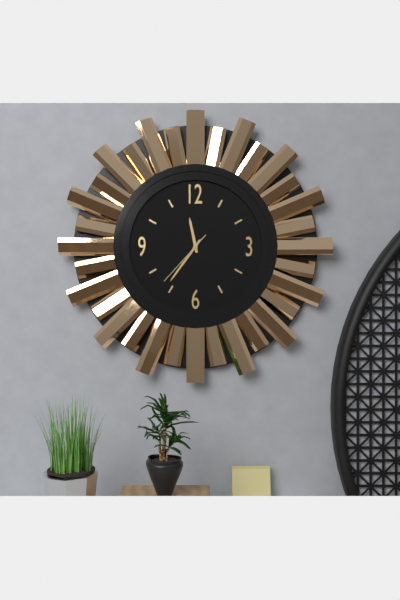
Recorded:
11,36,37
